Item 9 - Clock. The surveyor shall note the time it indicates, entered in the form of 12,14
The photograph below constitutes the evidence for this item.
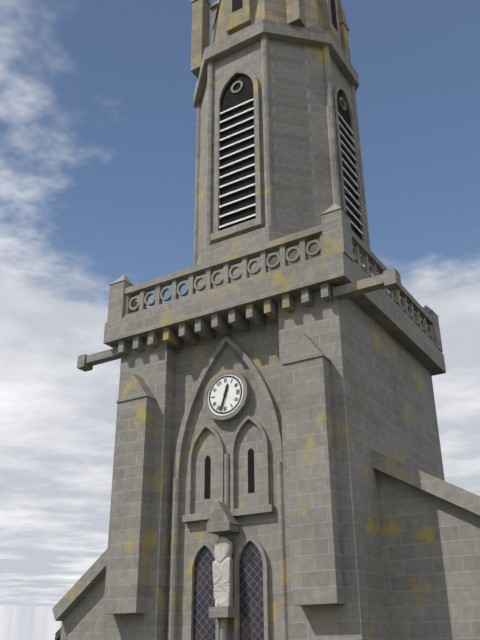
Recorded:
12,33
